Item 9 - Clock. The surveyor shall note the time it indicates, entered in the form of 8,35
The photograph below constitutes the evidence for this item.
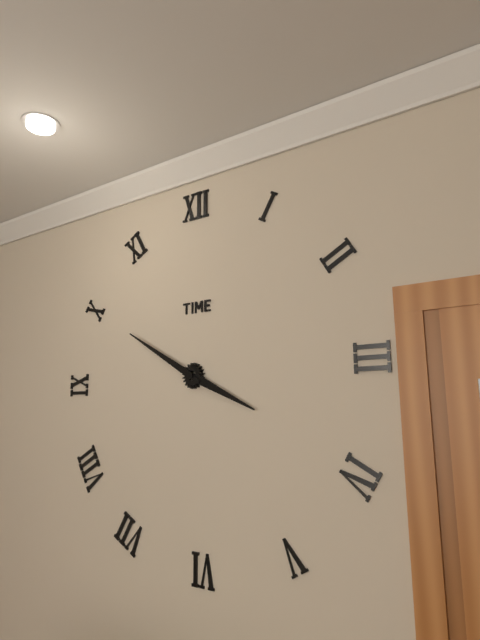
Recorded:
3,50
